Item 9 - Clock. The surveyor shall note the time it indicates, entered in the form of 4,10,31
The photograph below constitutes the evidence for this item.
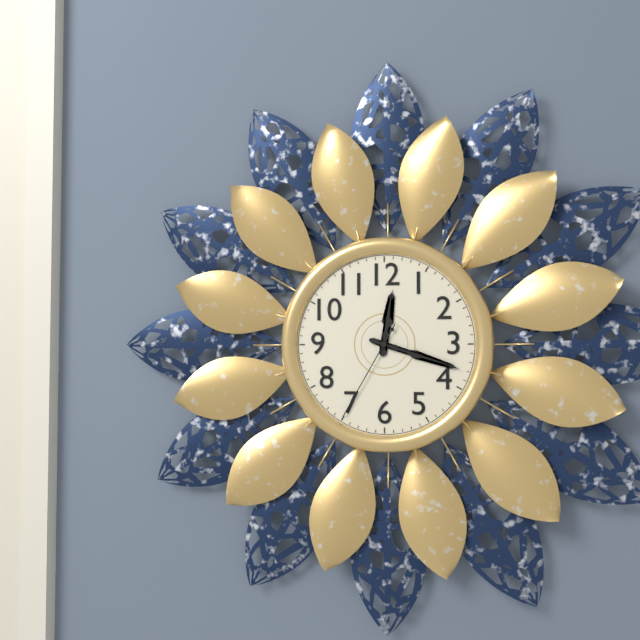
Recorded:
12,18,35
